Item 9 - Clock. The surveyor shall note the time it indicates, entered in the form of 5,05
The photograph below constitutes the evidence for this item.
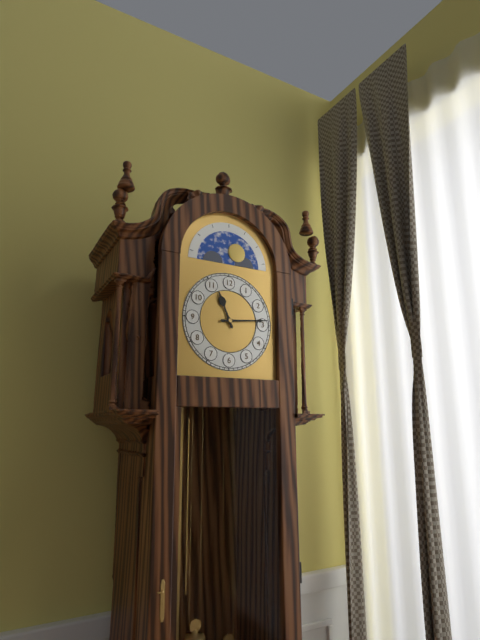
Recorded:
11,14
